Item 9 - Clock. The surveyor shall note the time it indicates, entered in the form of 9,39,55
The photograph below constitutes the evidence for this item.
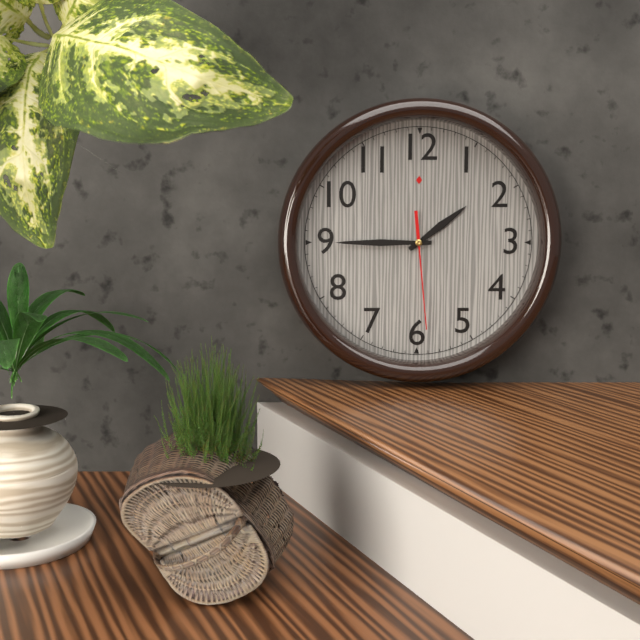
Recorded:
1,45,29
